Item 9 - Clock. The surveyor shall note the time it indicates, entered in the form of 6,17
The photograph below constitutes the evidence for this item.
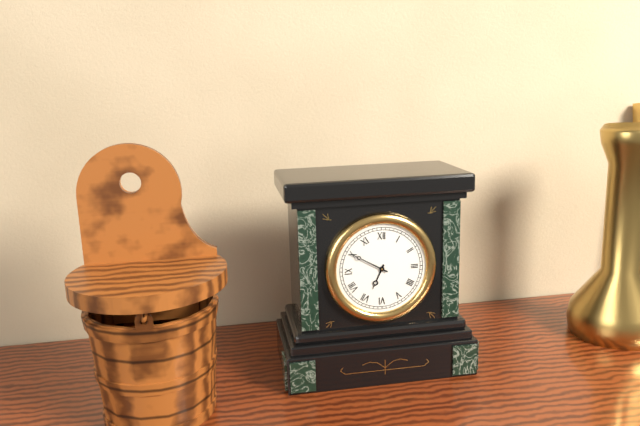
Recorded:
6,50
